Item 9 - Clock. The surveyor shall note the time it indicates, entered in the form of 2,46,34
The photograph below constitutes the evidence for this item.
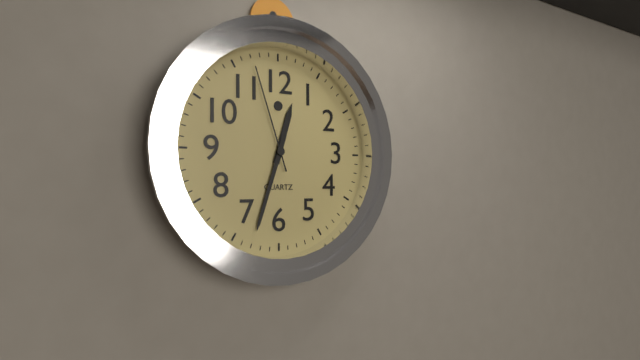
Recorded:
12,33,57
